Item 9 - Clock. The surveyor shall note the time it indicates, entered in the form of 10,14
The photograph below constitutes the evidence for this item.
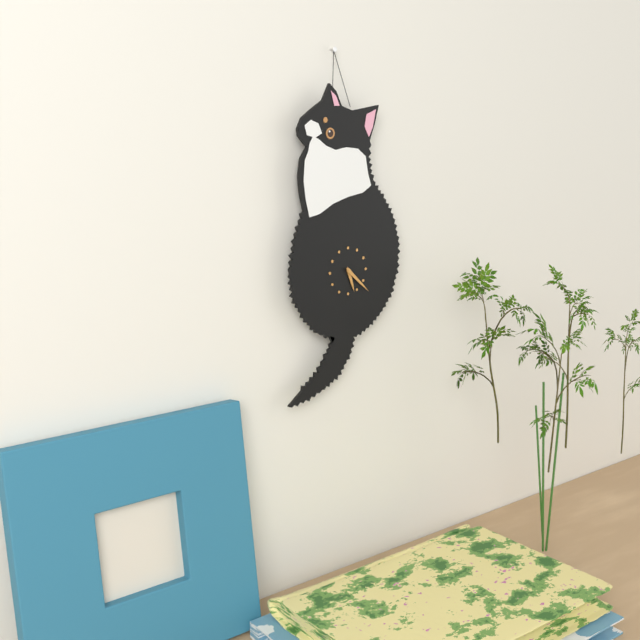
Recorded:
5,22
